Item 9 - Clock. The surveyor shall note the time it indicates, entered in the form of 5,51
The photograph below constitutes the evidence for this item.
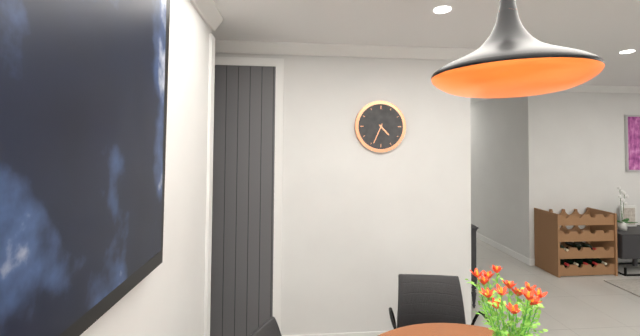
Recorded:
4,34
